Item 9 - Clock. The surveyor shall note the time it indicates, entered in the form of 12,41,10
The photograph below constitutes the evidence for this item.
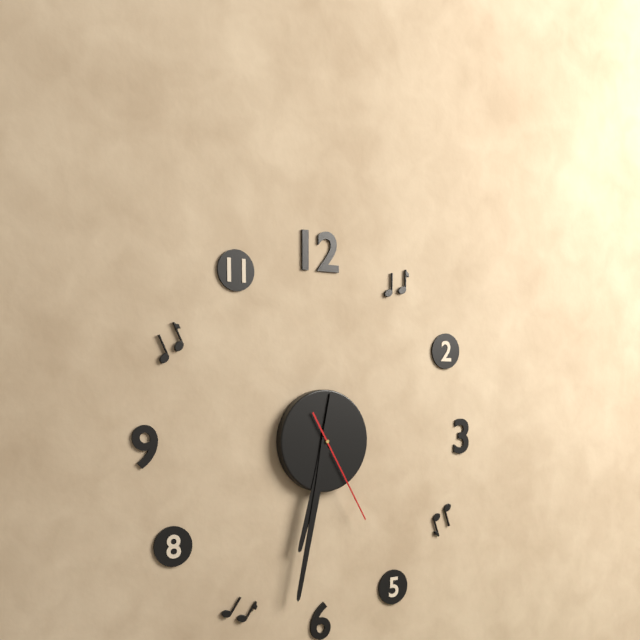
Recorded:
6,32,25
